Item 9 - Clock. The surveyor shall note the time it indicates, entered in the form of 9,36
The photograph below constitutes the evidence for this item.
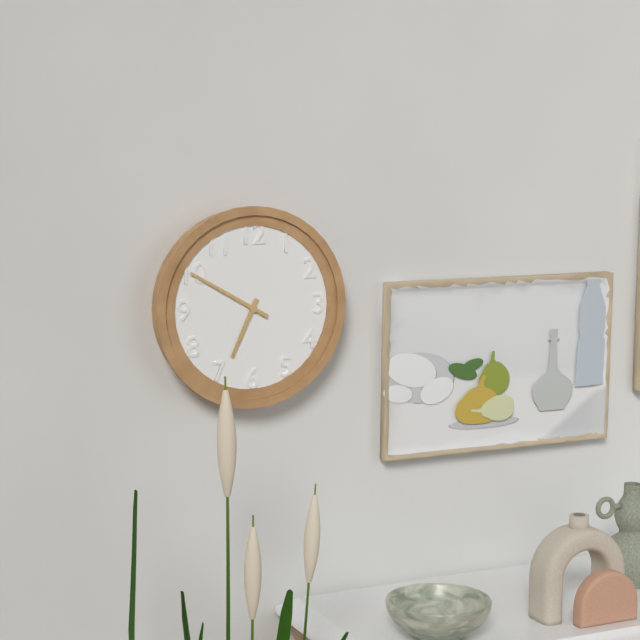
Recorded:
6,50
